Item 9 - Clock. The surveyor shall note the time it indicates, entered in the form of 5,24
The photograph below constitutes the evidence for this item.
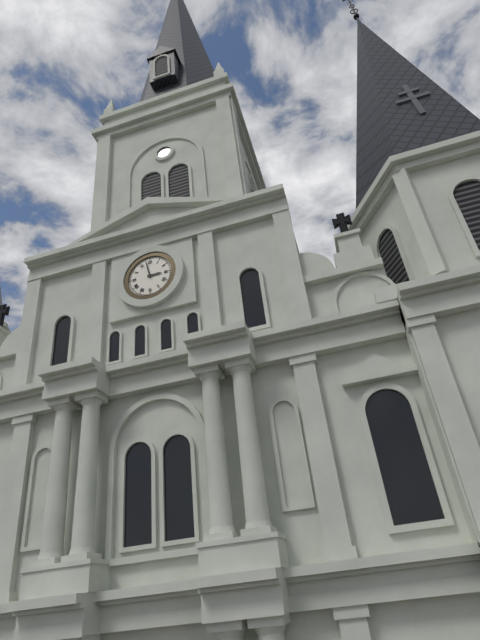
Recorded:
2,58
